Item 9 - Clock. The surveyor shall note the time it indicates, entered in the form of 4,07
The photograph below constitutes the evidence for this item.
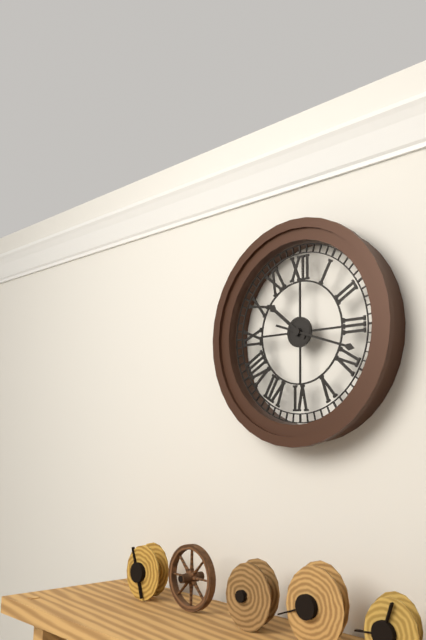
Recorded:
10,18
